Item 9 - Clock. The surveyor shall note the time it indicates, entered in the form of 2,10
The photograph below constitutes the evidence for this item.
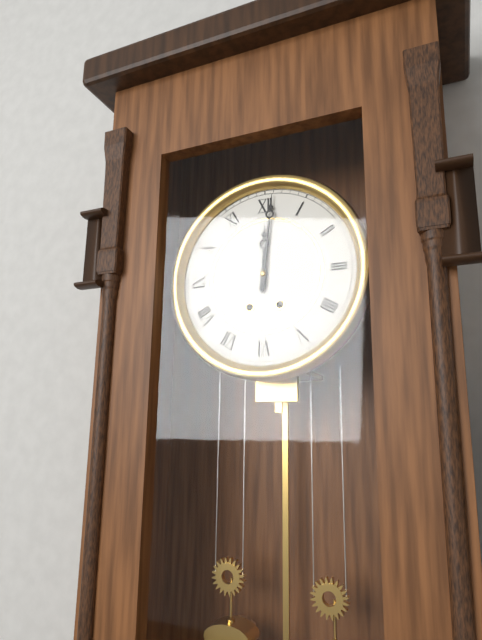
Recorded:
12,01
